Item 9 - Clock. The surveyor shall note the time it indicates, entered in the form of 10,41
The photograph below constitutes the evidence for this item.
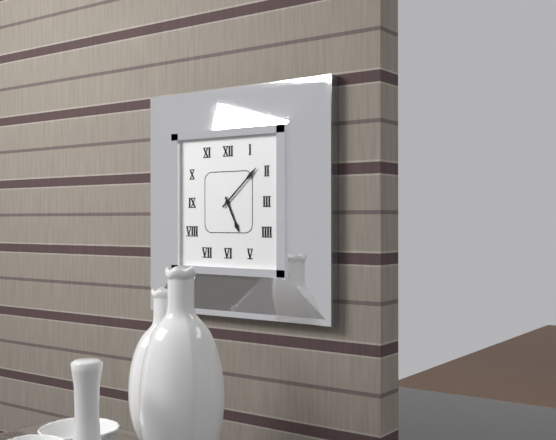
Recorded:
5,08
